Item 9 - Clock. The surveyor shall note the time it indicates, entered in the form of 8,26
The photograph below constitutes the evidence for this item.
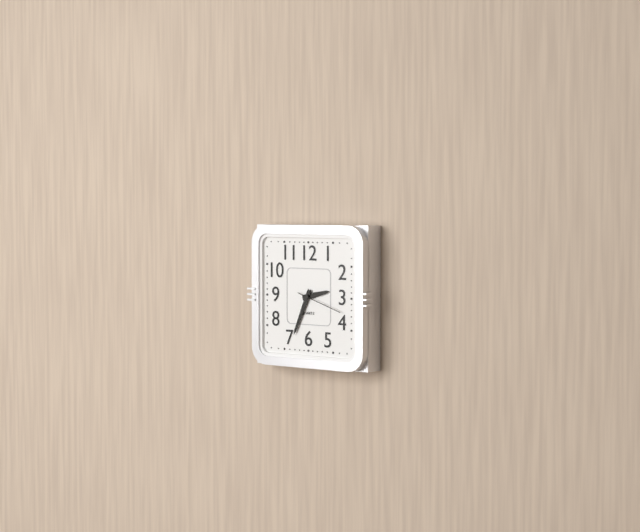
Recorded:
2,34
